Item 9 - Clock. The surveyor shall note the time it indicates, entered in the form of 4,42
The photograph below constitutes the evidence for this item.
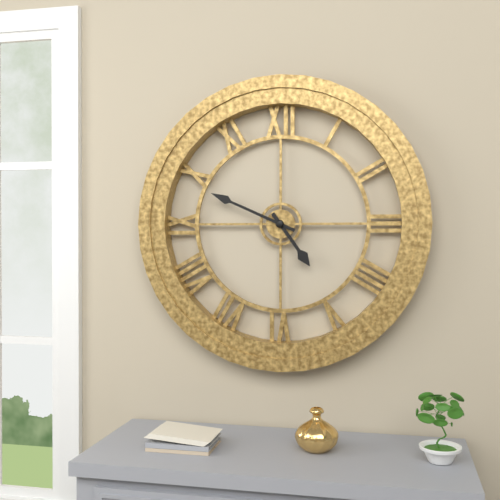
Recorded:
4,49
